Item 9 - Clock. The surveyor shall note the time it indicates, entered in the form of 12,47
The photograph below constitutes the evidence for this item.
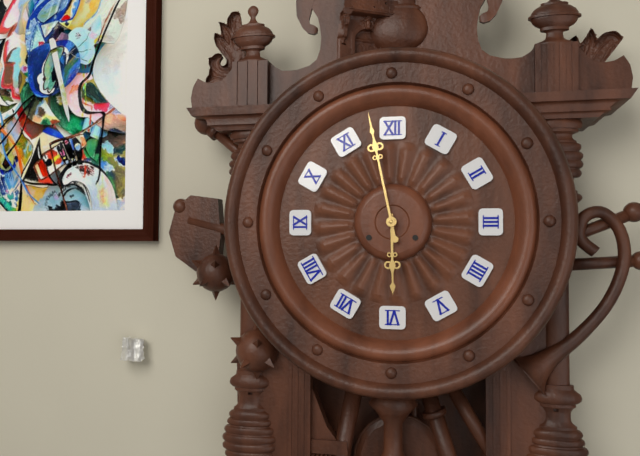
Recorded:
5,58
